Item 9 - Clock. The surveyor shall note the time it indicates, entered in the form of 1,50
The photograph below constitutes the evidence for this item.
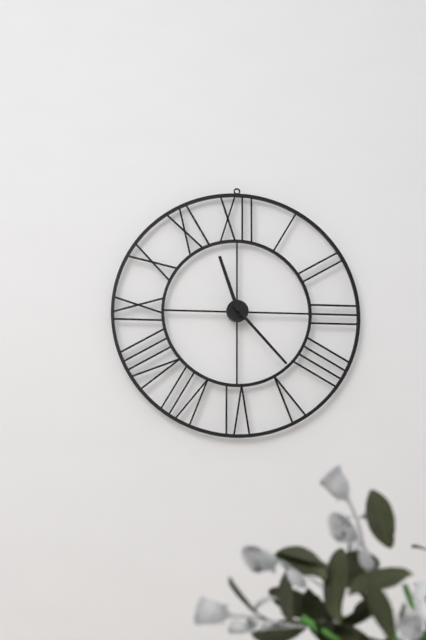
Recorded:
11,23
